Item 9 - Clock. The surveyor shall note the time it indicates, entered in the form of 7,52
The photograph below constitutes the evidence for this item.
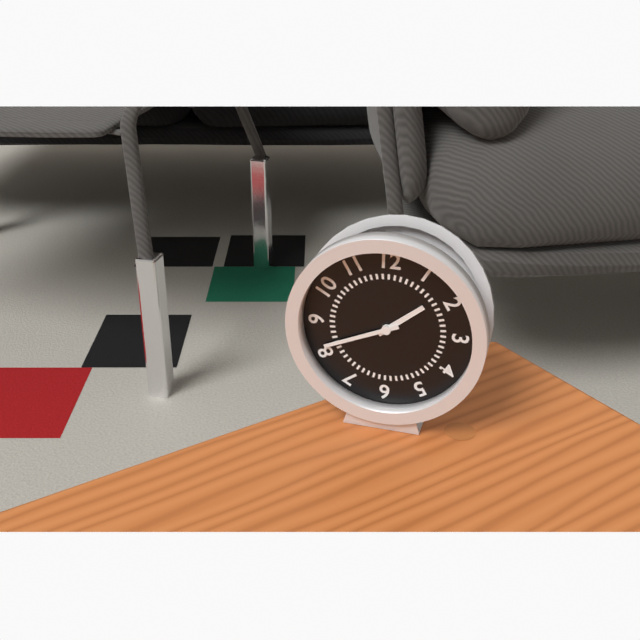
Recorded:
1,41
